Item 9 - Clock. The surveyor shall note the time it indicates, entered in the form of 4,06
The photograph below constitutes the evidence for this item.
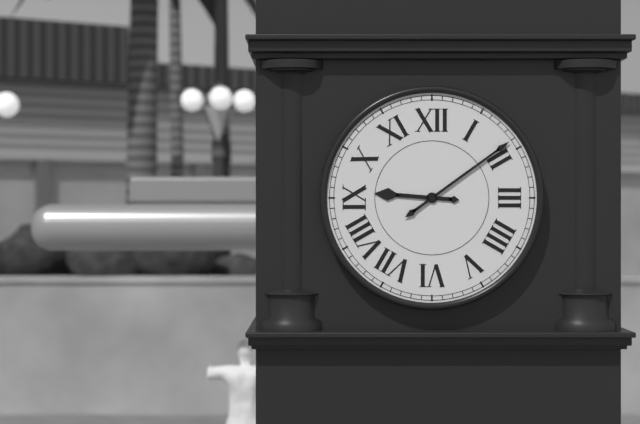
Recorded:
9,09
